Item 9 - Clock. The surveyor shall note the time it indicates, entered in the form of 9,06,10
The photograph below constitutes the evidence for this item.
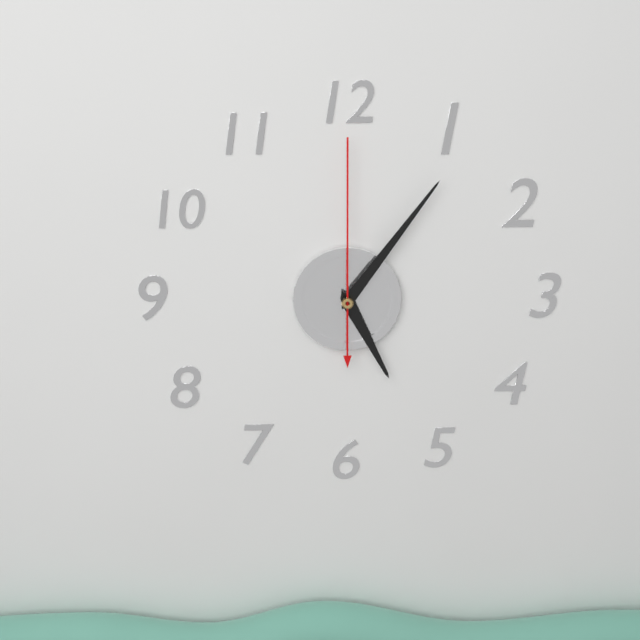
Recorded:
5,06,00
